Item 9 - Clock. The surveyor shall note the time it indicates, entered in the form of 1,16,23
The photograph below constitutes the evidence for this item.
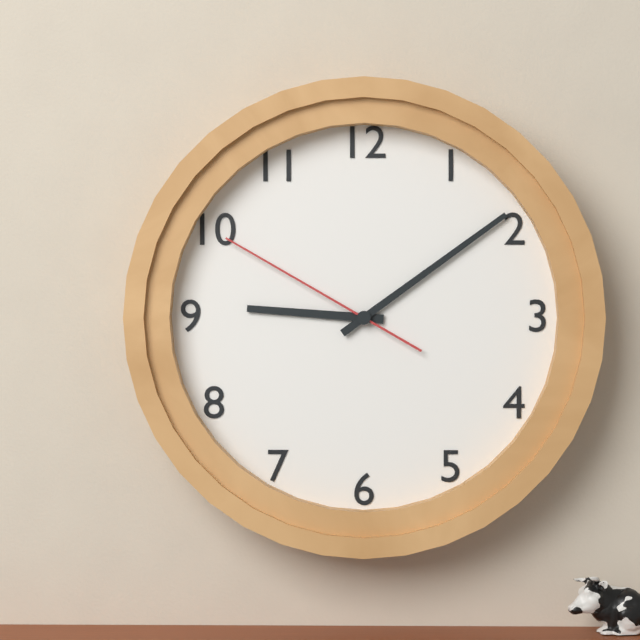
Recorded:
9,09,50
